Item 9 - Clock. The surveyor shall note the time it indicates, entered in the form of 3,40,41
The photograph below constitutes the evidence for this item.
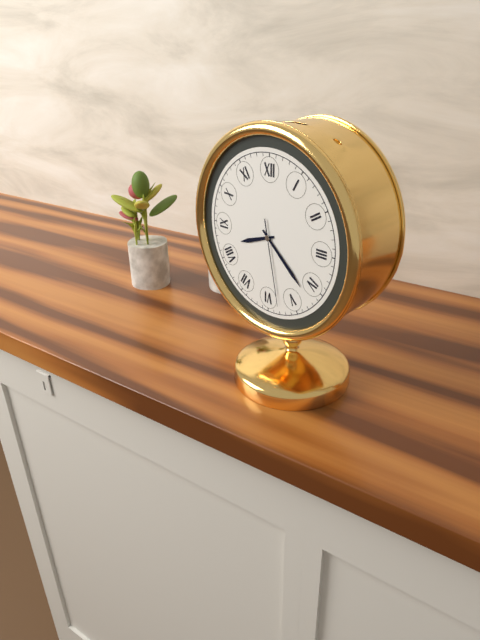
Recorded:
8,22,28
